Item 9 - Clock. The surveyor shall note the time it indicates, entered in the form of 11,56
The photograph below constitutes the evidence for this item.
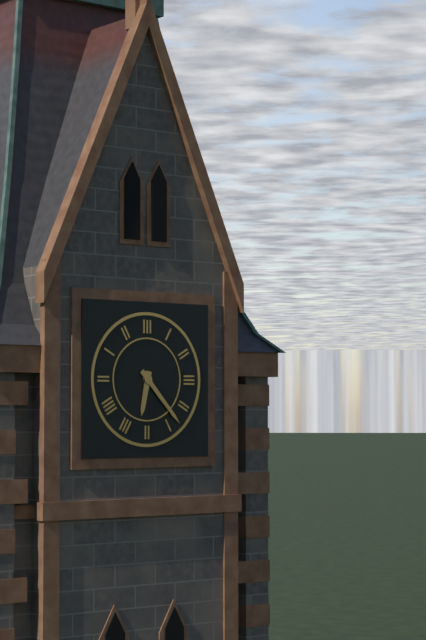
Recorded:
6,23
